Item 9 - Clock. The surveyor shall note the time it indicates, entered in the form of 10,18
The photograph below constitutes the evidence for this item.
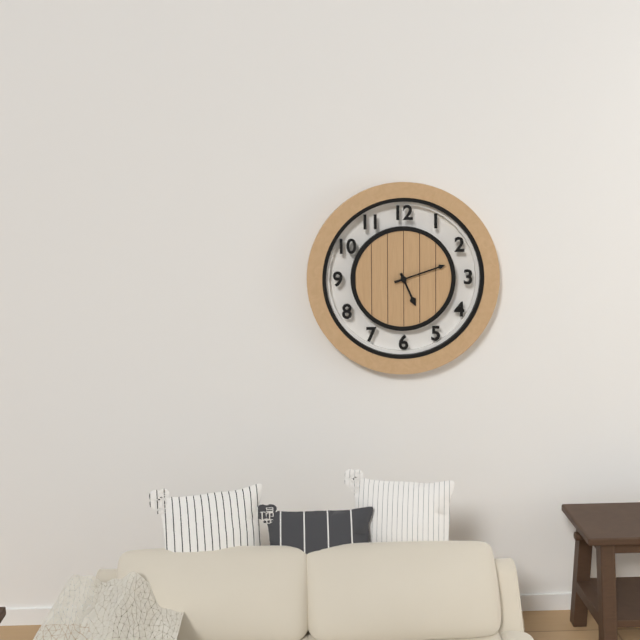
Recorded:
5,12
